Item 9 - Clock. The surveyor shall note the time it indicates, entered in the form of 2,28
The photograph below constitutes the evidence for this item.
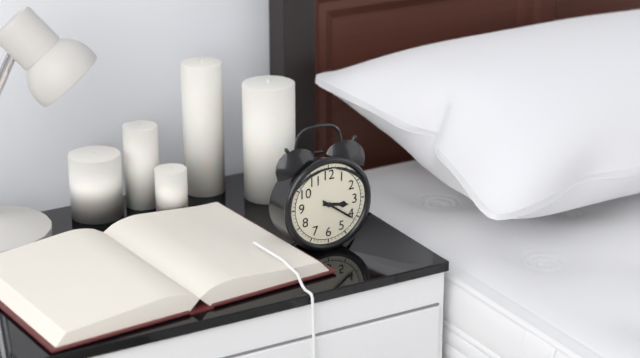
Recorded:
3,21
